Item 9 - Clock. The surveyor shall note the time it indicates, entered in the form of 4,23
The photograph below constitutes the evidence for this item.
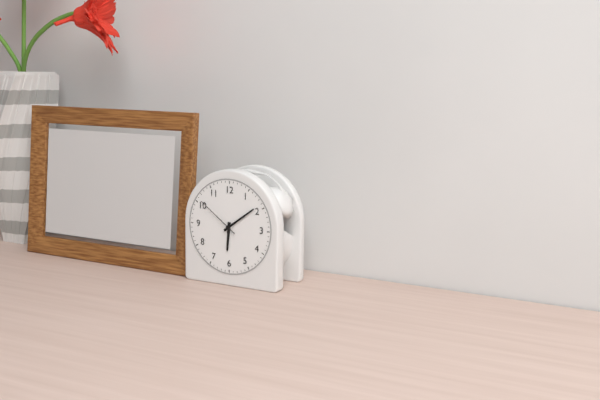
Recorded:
6,09
